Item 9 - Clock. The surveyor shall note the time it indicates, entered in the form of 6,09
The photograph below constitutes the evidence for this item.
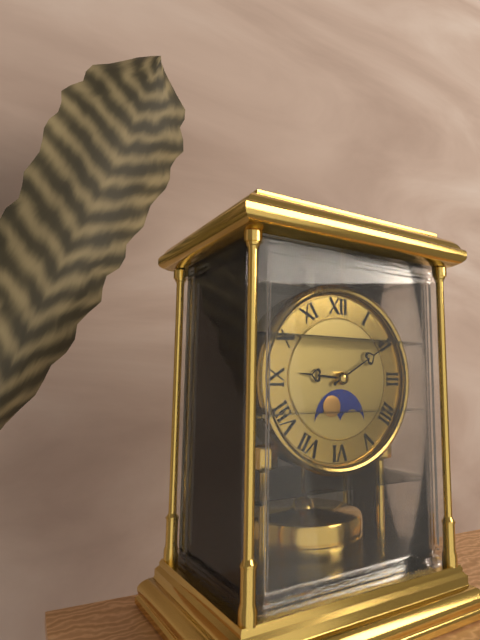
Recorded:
9,10
